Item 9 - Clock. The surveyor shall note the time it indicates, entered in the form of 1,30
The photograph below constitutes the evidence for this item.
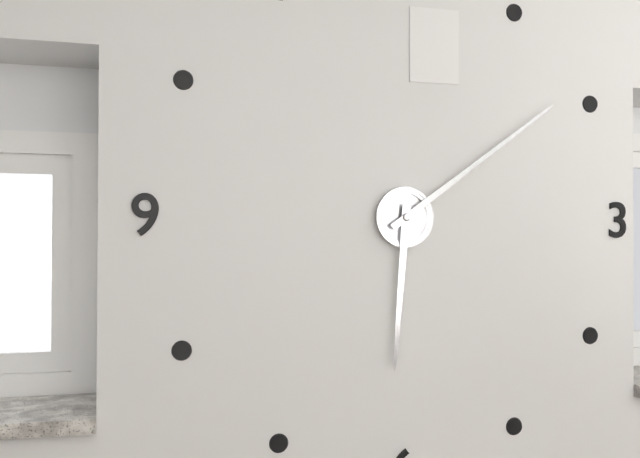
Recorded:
6,09
